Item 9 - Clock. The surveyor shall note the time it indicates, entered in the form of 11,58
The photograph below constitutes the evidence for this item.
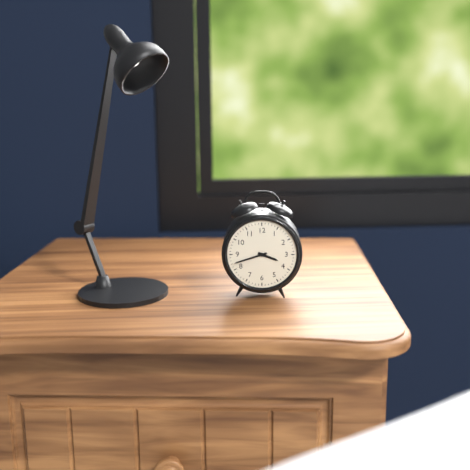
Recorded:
3,42
